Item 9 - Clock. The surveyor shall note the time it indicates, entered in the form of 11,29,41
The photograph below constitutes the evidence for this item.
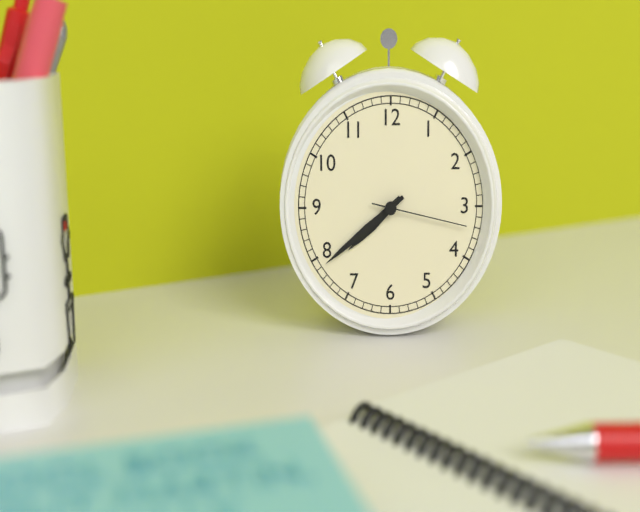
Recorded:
7,39,17
